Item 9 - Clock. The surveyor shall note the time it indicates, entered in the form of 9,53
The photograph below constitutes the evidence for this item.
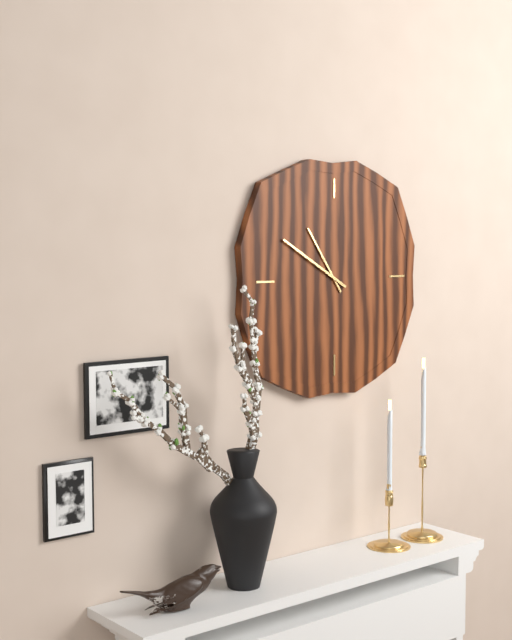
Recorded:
10,50
